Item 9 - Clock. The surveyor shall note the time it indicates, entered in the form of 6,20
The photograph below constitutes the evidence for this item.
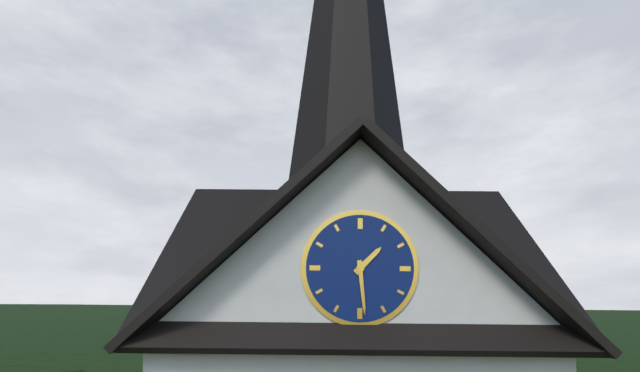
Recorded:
1,29
